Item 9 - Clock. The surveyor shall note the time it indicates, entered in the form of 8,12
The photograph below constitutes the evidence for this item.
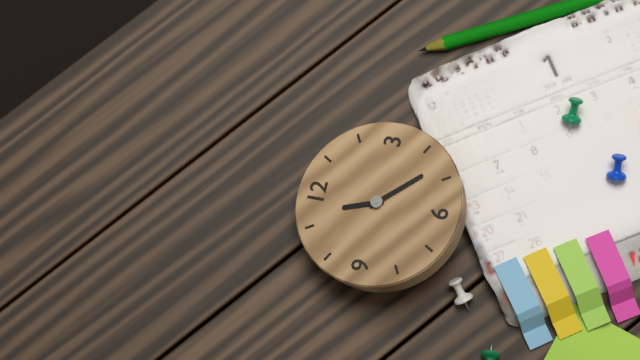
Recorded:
11,23
